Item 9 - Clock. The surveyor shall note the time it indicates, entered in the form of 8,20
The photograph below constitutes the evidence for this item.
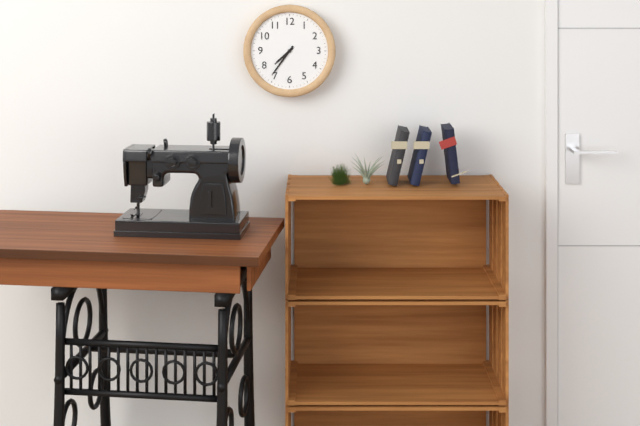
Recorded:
7,36
